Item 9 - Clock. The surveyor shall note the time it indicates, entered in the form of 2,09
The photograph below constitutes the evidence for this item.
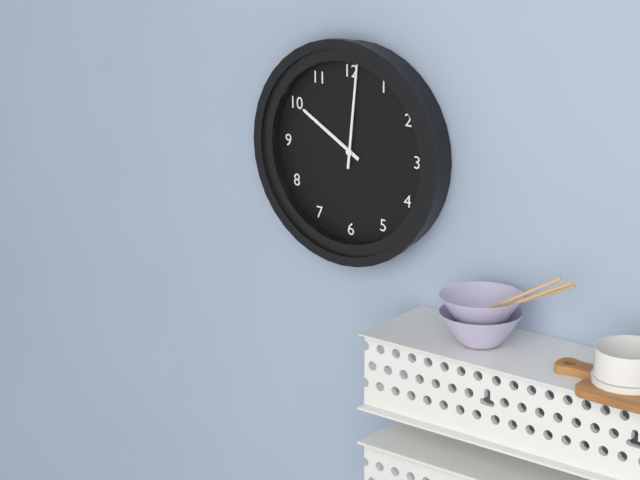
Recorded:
10,01
